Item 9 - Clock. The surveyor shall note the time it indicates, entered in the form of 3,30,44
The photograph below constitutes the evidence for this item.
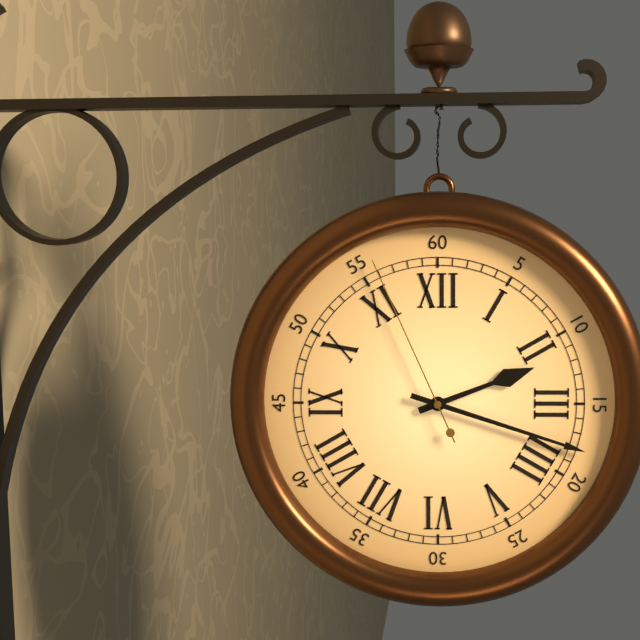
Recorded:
2,18,56
